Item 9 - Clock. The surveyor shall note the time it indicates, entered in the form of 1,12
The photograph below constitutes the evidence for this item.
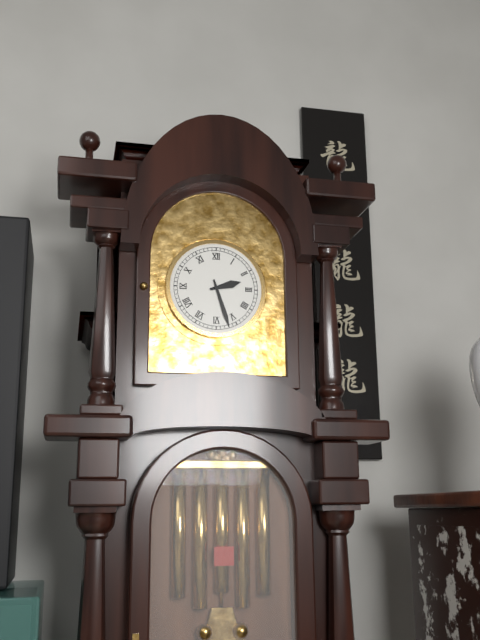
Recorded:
2,27
